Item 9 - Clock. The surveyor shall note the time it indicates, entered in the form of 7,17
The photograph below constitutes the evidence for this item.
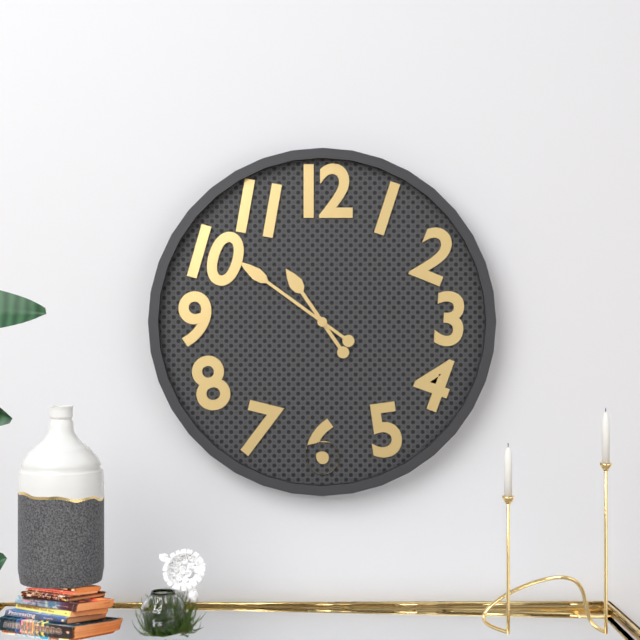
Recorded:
10,51
